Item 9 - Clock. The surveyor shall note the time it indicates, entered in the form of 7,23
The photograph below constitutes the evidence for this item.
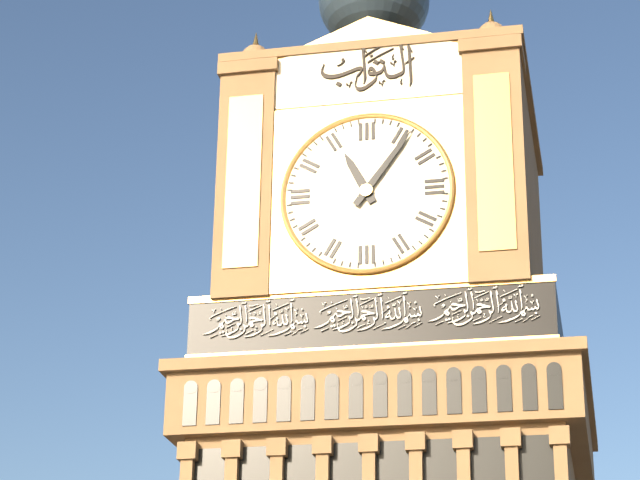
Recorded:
11,06
